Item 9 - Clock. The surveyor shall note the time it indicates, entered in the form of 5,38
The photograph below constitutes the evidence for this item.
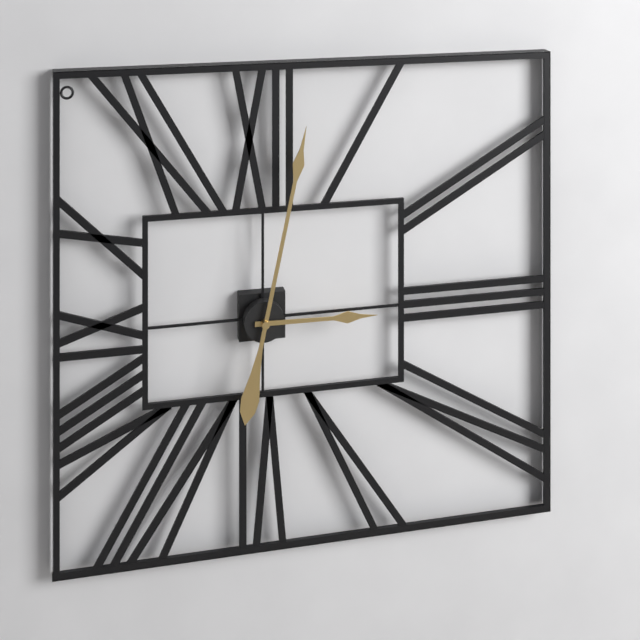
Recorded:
3,02
